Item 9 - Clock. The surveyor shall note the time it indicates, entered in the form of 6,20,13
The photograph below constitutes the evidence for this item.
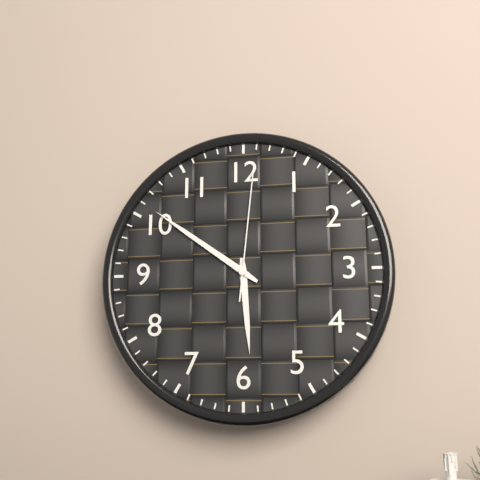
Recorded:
5,51,01
